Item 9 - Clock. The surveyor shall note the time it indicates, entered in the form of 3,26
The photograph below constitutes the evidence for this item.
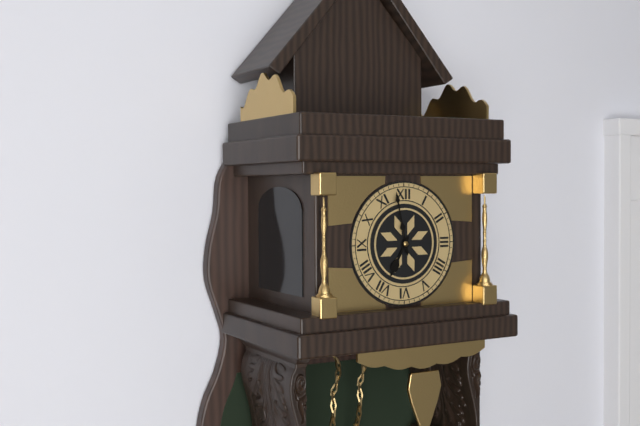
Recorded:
6,58
